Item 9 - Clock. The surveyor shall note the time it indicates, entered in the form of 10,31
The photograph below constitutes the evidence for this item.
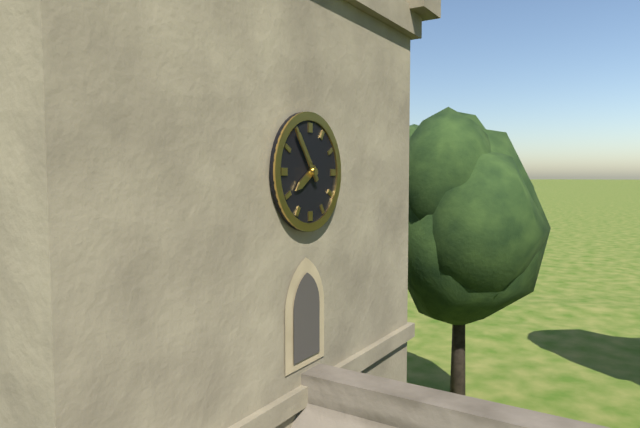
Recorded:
7,54
